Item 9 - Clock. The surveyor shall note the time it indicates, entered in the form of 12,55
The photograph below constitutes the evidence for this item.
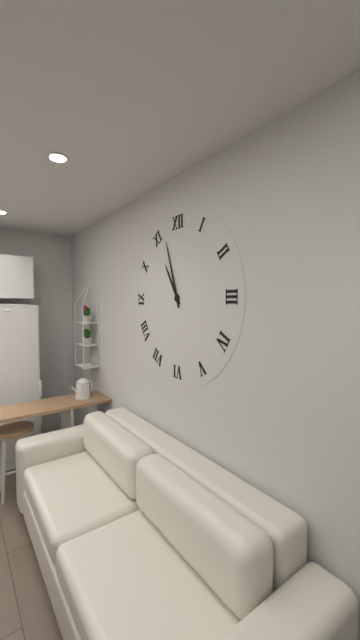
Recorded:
10,57
